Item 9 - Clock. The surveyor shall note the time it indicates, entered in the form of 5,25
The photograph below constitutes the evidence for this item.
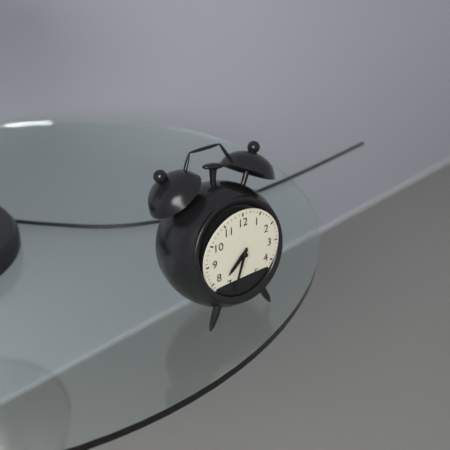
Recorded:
7,33
